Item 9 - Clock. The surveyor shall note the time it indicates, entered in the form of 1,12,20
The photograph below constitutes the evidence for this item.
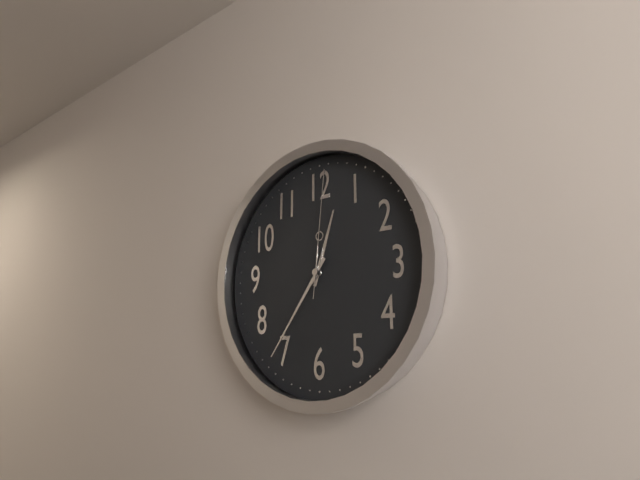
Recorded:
12,36,01
